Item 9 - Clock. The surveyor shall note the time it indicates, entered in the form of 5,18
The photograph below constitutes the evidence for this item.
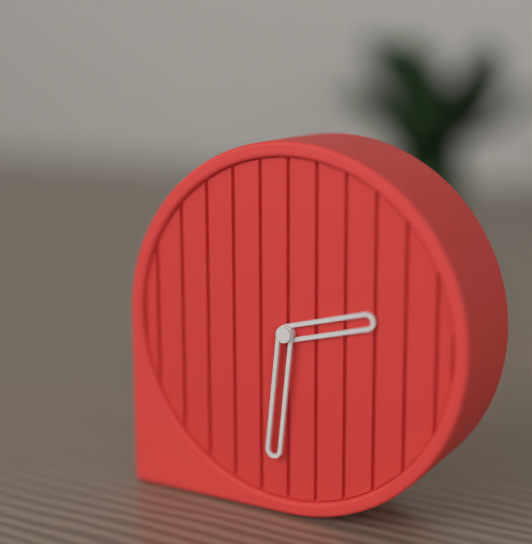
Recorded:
2,31
